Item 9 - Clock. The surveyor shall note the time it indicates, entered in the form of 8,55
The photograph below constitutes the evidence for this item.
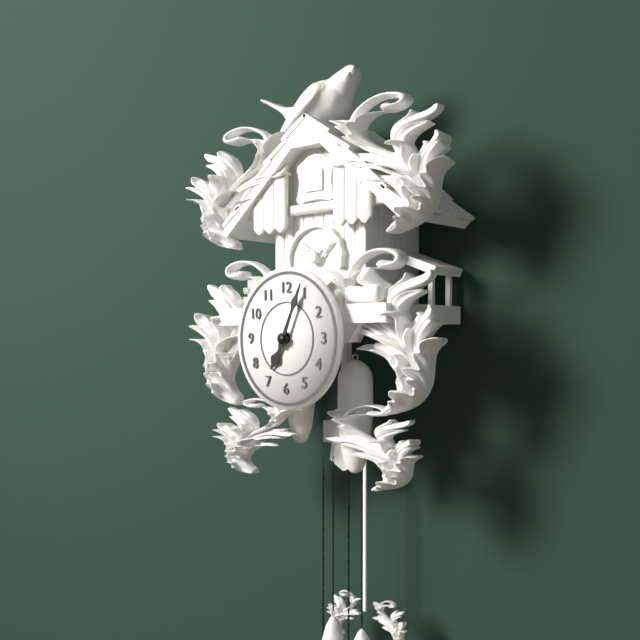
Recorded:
7,04
